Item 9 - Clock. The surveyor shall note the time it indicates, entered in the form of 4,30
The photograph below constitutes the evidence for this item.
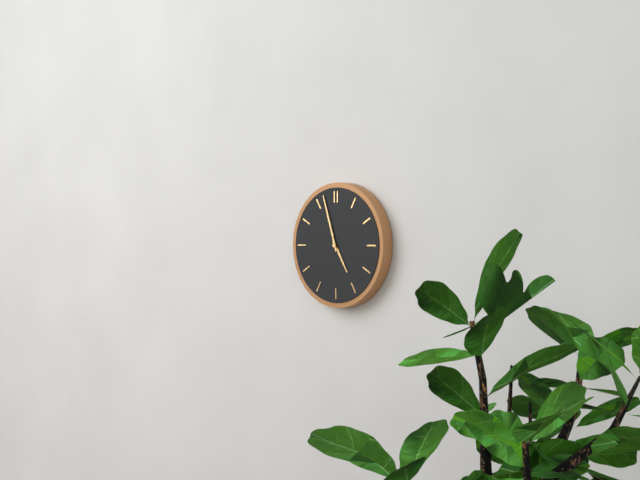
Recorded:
4,57
